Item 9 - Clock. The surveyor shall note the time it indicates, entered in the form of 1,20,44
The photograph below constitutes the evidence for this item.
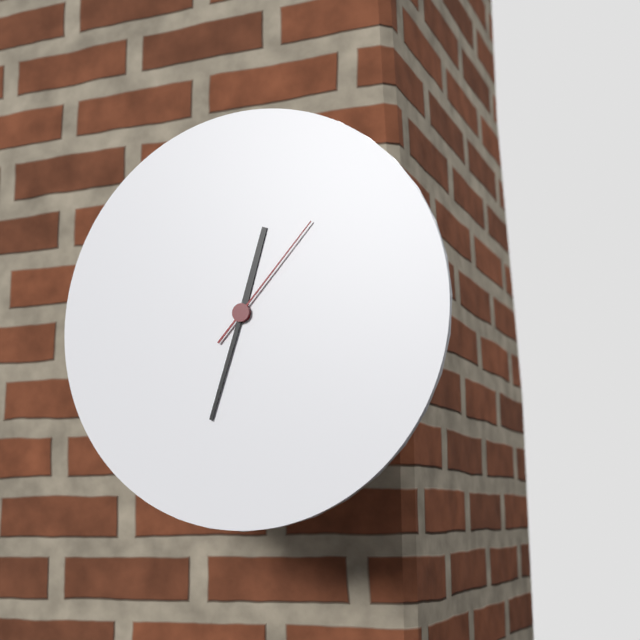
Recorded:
12,33,07
